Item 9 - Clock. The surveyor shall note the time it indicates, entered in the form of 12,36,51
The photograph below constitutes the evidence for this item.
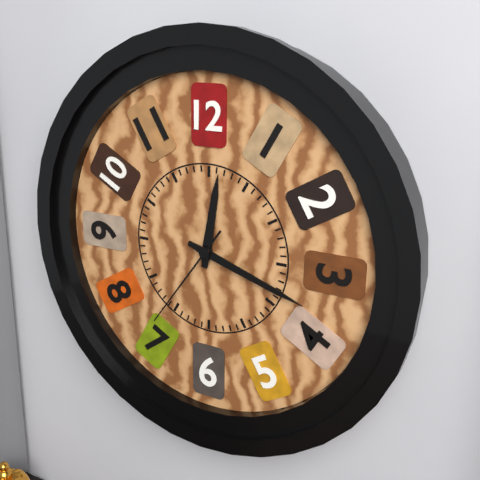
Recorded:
12,18,36
